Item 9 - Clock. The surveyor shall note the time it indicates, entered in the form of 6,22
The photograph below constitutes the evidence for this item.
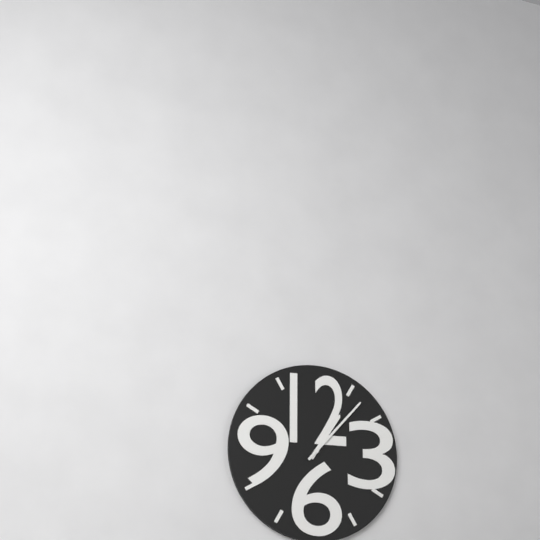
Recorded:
1,07
